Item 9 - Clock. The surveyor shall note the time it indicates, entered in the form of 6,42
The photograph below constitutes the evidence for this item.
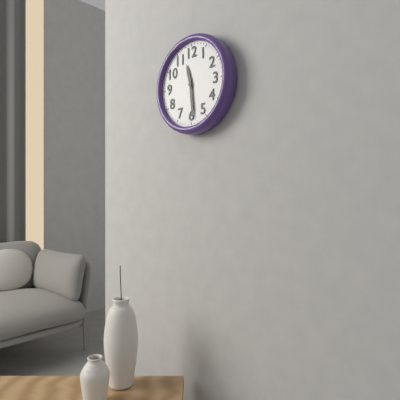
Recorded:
11,29
